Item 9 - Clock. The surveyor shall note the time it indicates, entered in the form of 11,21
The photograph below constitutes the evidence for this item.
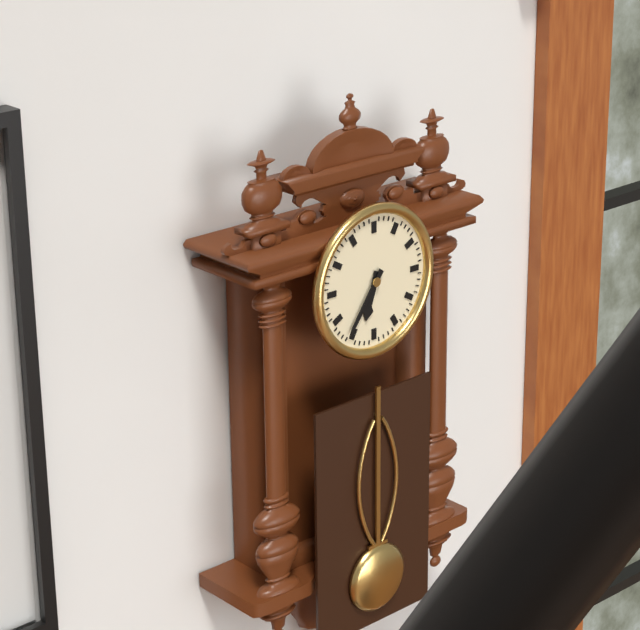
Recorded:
6,36
